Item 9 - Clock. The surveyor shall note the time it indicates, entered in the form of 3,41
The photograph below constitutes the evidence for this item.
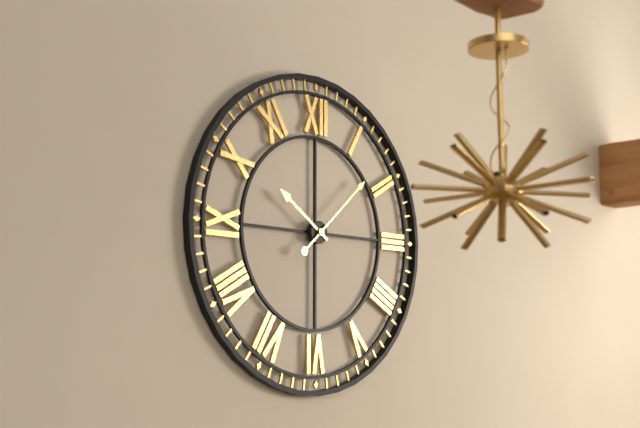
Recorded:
10,08
